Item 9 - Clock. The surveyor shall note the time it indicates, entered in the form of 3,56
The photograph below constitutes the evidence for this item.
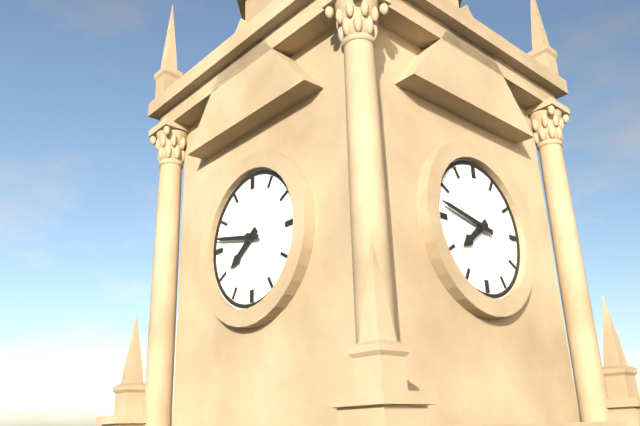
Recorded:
7,47
